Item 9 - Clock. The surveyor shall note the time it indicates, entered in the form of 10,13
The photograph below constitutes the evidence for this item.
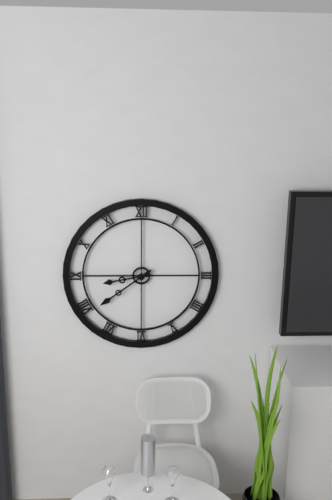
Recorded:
8,39
